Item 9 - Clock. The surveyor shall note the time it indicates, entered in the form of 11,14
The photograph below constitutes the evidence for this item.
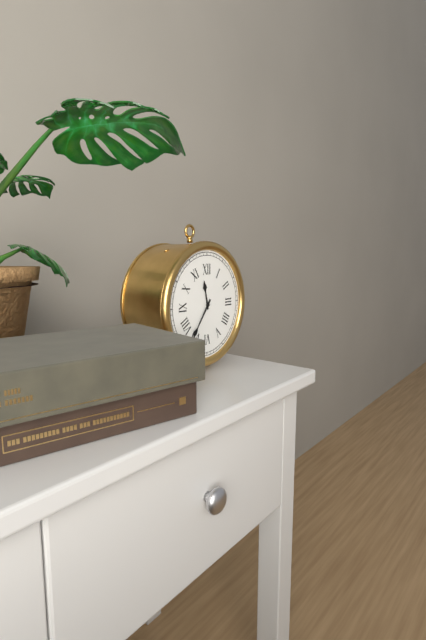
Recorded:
11,36
